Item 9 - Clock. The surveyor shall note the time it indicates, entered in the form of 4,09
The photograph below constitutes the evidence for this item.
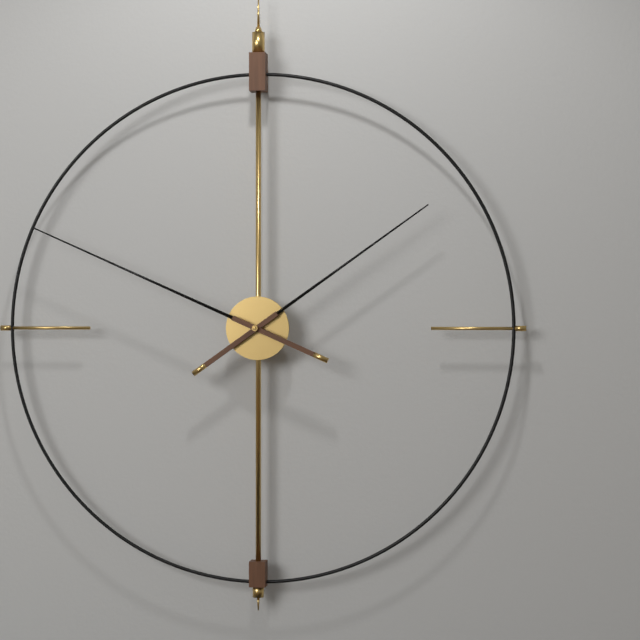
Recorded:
1,49
